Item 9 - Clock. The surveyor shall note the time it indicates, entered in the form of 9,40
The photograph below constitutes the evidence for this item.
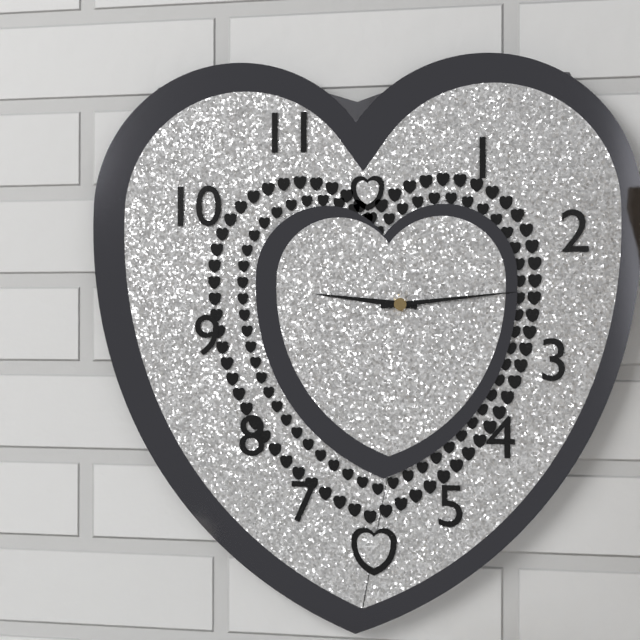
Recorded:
9,14
